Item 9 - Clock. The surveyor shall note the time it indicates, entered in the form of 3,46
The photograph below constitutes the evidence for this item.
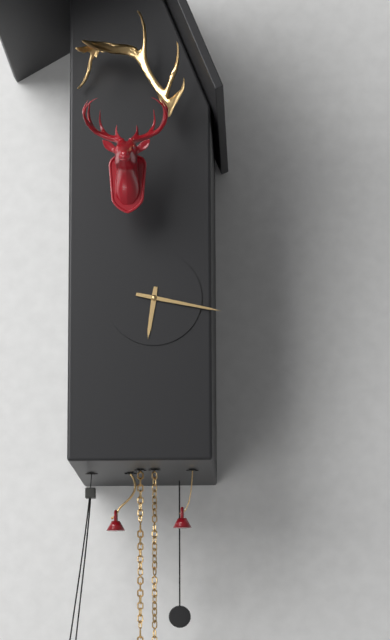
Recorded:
6,17
